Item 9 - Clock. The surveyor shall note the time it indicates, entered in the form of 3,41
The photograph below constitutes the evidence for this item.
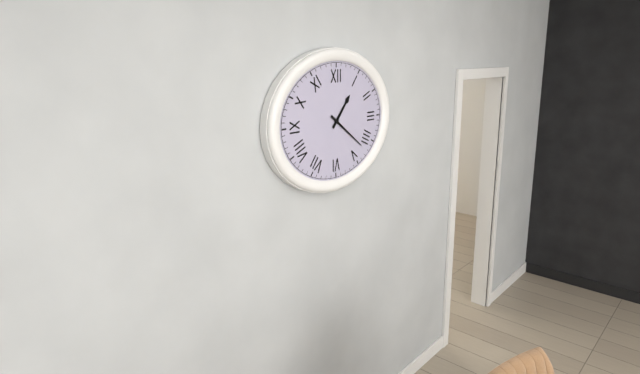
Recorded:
1,21
